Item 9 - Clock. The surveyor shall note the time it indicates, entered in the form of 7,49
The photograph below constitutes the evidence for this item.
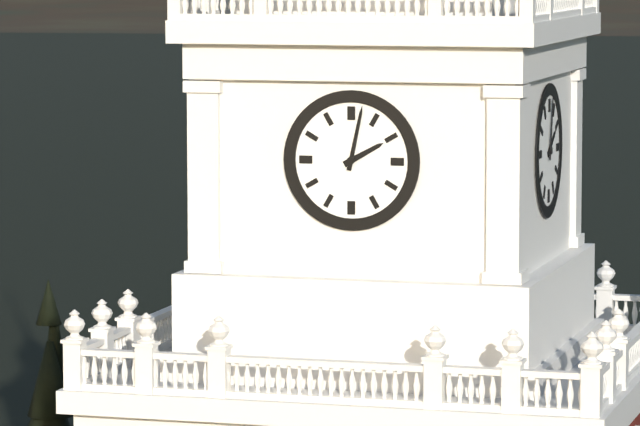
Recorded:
2,02
